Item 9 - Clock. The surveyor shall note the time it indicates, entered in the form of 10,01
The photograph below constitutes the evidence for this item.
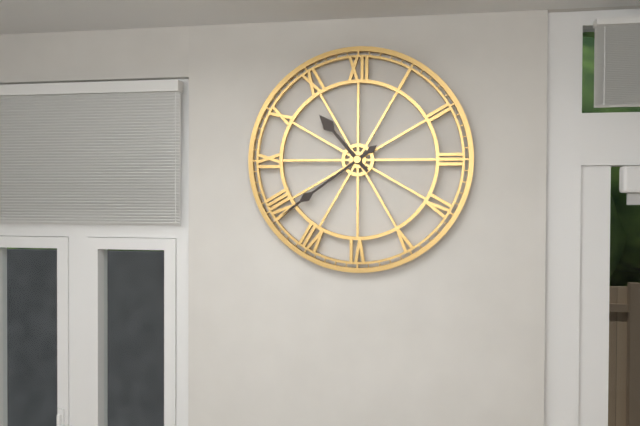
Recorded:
10,39
